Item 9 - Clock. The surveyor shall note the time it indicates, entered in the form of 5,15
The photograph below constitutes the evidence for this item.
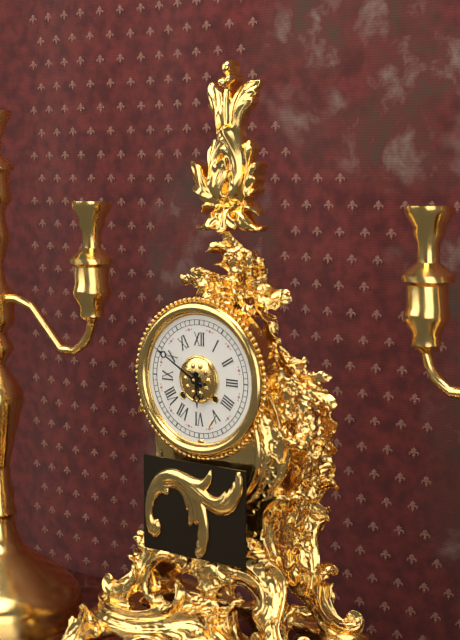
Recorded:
5,50
